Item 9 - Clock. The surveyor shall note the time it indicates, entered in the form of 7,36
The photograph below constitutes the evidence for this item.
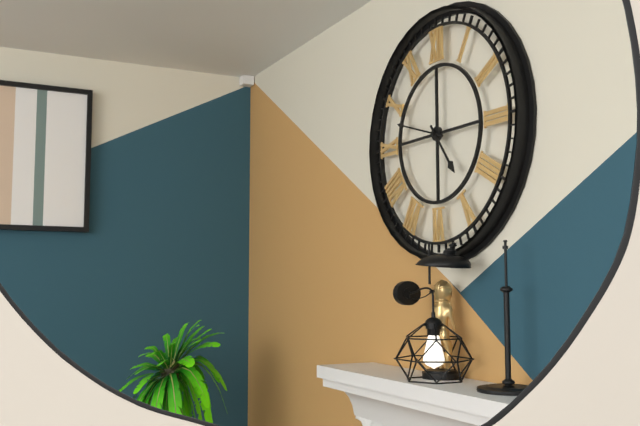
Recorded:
4,48
